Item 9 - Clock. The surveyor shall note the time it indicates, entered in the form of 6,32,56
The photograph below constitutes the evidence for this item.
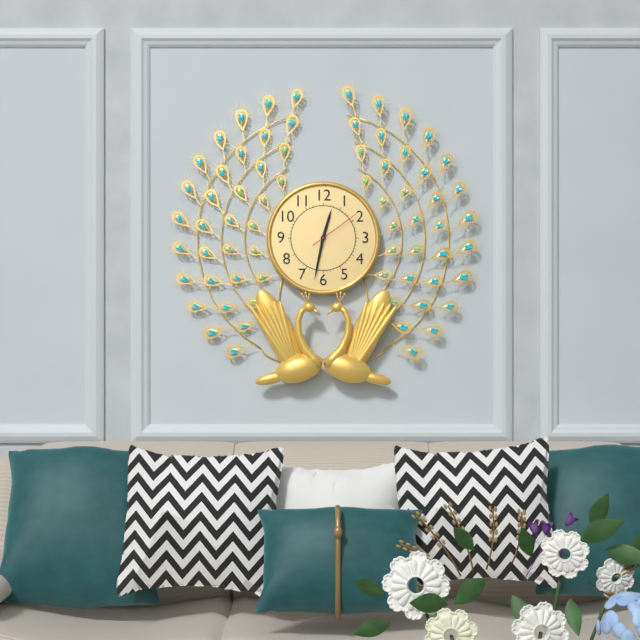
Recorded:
12,32,09
